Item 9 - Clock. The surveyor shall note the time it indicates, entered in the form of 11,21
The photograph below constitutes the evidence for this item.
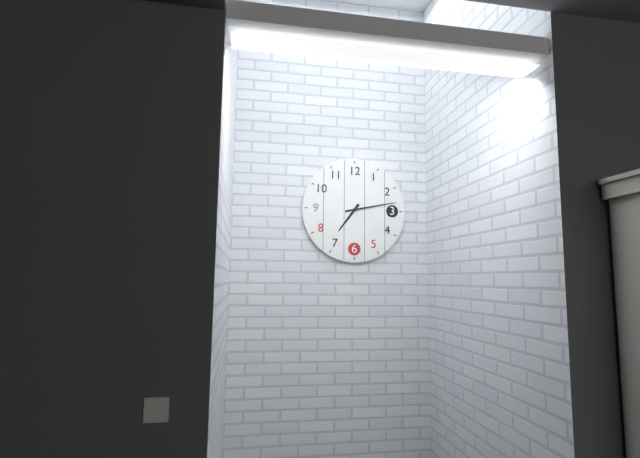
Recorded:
7,13
